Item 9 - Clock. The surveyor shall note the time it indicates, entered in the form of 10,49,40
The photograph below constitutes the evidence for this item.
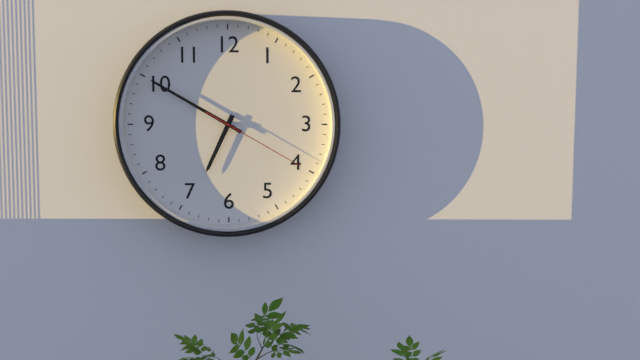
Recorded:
6,50,20
